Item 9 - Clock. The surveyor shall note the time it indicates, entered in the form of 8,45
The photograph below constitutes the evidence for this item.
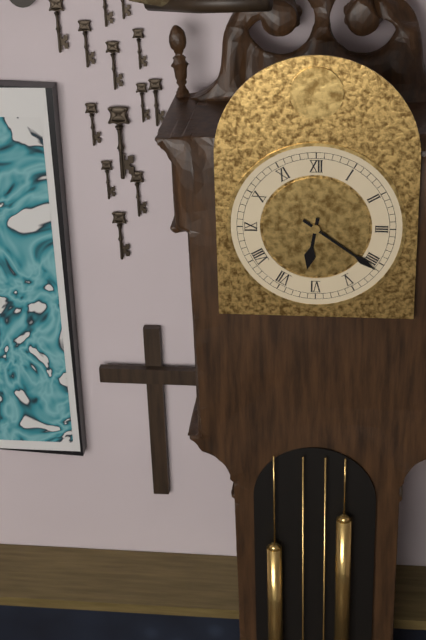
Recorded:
6,21
